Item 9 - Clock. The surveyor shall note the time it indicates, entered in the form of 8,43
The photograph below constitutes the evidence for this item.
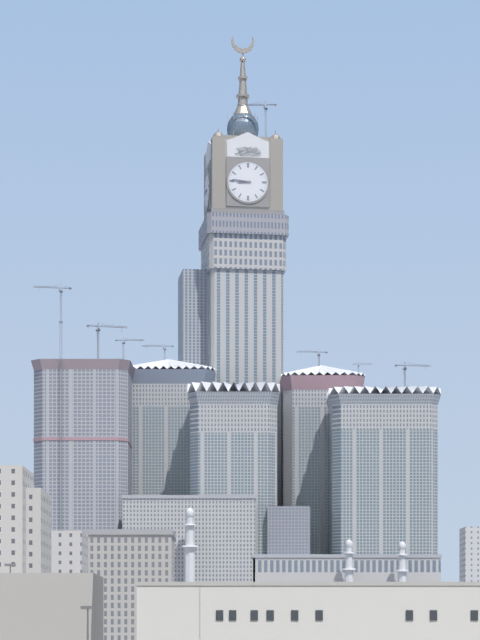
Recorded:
8,46
